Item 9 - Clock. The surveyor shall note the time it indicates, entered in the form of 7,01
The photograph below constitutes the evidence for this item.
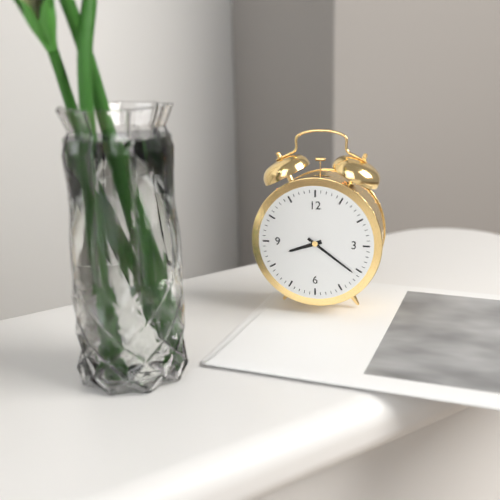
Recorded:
8,21
